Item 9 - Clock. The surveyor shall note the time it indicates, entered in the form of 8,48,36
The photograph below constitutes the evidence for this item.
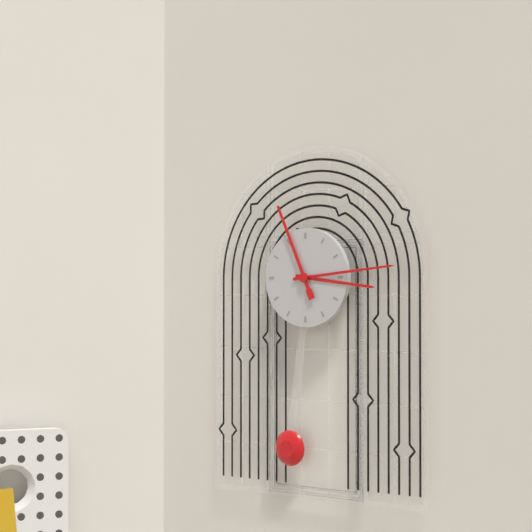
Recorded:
3,14,56
